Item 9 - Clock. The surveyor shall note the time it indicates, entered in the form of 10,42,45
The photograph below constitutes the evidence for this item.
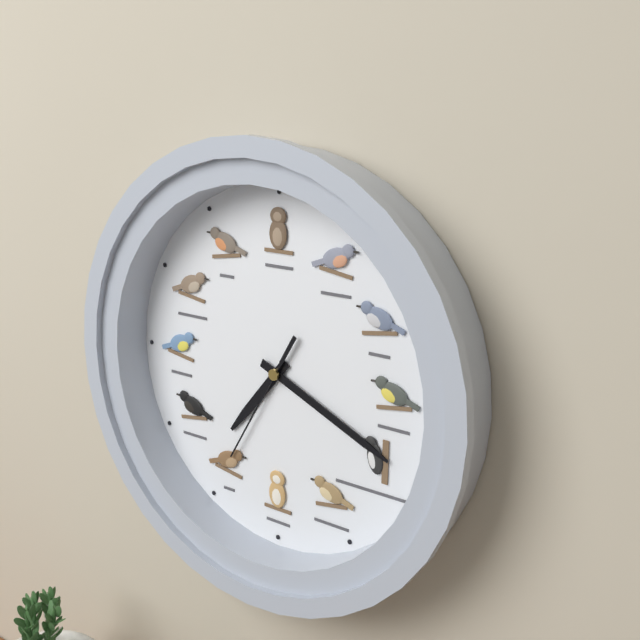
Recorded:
7,19,35
